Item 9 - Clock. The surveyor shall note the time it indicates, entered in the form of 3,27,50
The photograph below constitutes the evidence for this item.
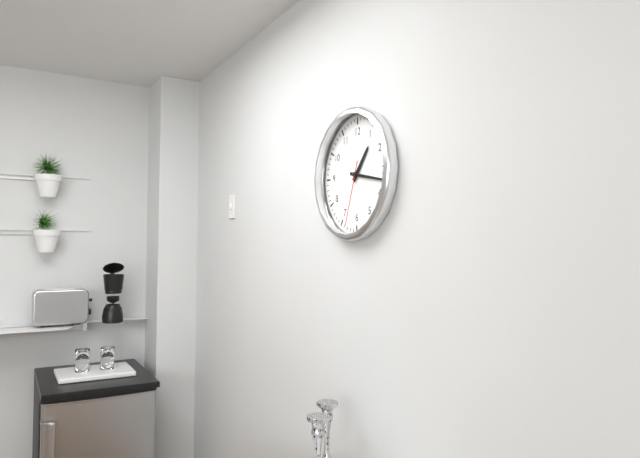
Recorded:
1,17,33
